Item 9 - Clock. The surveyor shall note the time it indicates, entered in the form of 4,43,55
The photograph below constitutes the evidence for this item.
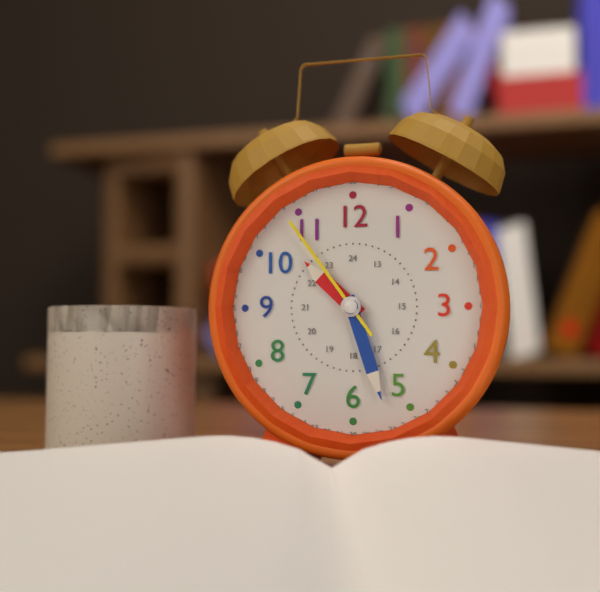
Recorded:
10,27,54
